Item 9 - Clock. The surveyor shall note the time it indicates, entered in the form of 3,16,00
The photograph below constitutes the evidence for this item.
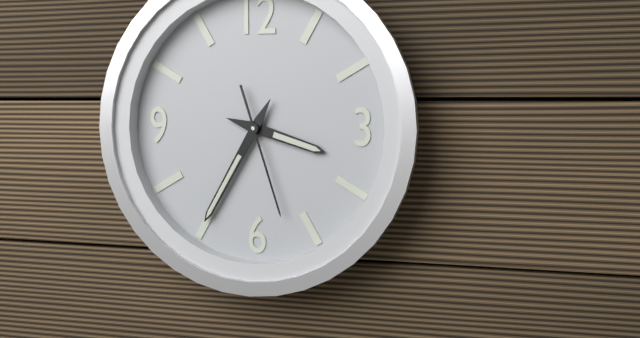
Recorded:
3,35,27
